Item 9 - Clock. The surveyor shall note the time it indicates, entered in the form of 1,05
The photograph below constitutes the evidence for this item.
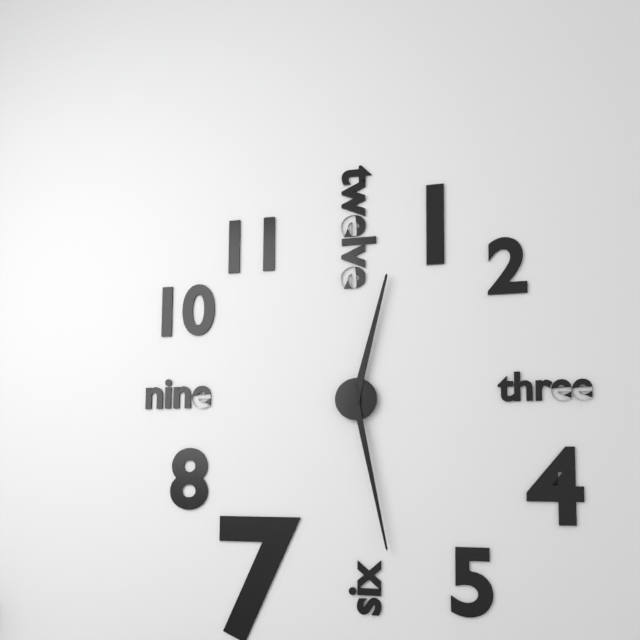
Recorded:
12,28
